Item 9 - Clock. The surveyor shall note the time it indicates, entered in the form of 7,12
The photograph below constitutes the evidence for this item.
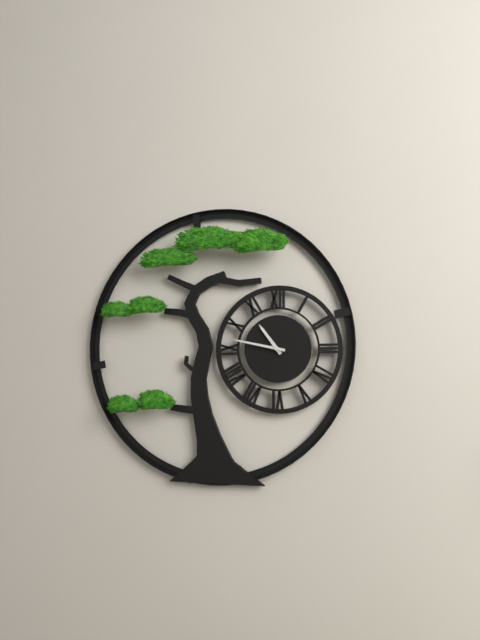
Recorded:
10,47
